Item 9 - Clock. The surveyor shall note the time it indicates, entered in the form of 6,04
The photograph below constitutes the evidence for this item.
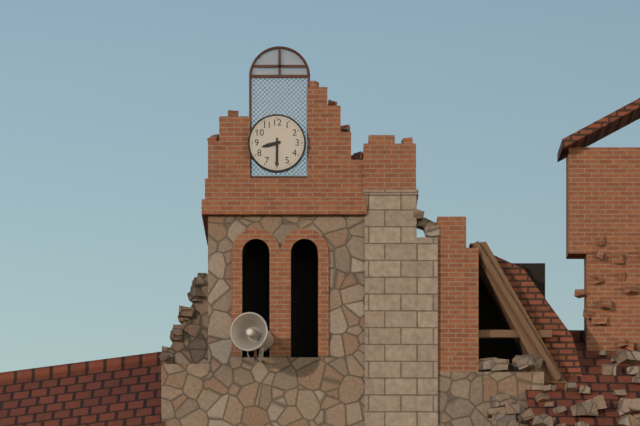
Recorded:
8,30
